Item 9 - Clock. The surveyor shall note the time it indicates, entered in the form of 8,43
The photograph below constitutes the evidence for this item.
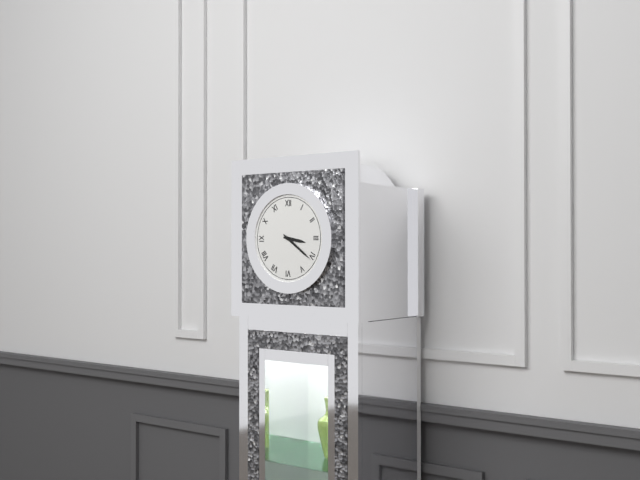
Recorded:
3,21
